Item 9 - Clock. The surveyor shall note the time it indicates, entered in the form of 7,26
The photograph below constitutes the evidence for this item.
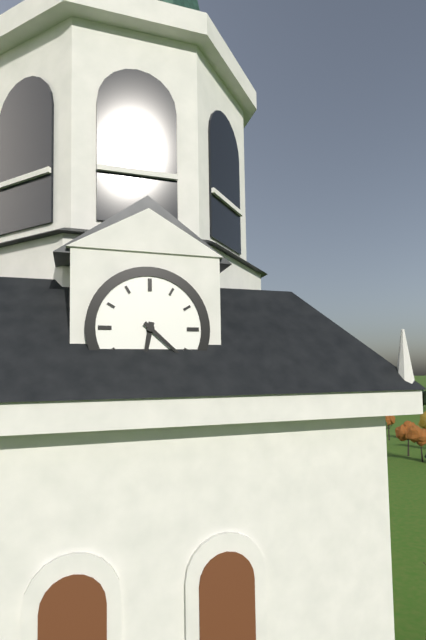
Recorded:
6,22
